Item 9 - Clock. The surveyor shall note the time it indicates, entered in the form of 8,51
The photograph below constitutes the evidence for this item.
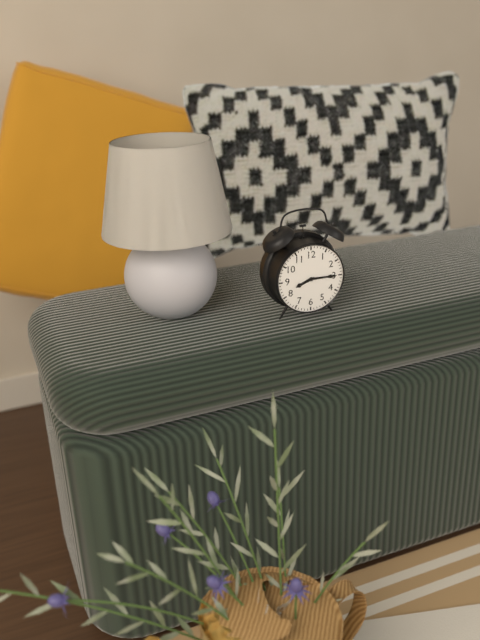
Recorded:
8,15
